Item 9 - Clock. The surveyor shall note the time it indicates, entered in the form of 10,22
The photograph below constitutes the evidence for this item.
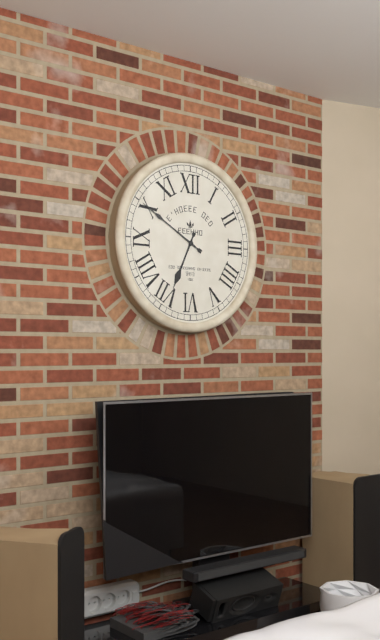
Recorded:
6,50
